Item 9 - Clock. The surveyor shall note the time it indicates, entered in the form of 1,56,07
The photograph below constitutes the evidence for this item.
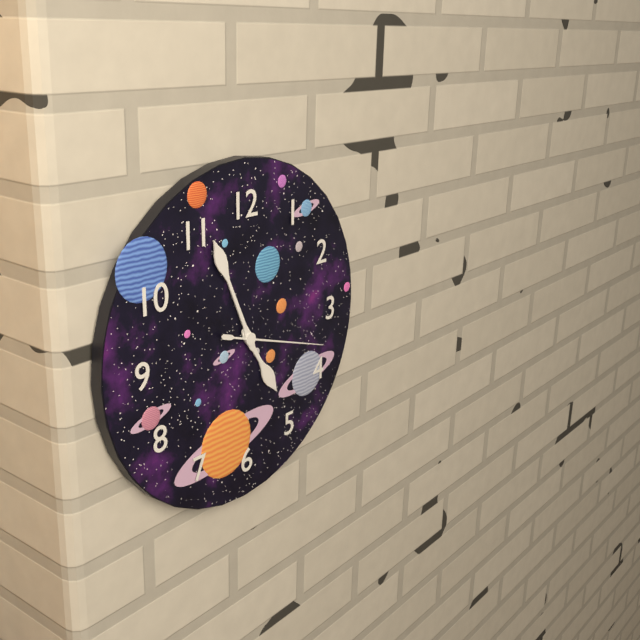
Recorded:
4,56,18
